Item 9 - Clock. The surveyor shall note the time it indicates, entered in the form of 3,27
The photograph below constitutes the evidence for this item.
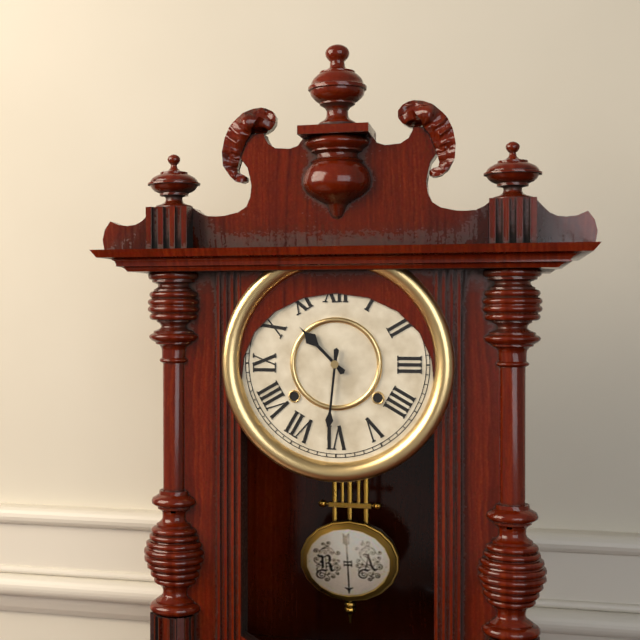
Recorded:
10,31
